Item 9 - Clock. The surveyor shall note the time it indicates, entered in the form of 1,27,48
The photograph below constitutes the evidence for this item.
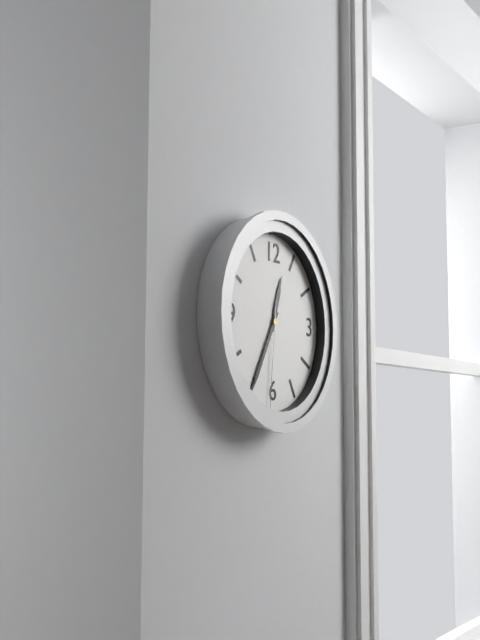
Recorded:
12,35,31
